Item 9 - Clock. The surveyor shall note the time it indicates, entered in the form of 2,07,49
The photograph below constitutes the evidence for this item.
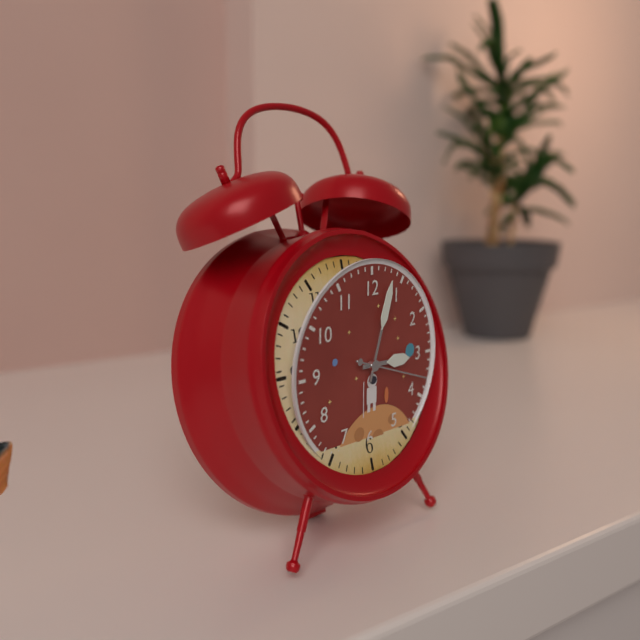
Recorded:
3,03,18
